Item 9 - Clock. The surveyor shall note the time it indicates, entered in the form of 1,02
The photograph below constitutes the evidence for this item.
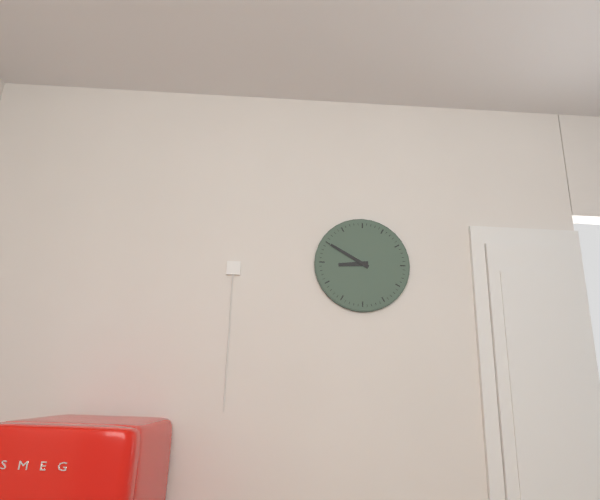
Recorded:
8,50
